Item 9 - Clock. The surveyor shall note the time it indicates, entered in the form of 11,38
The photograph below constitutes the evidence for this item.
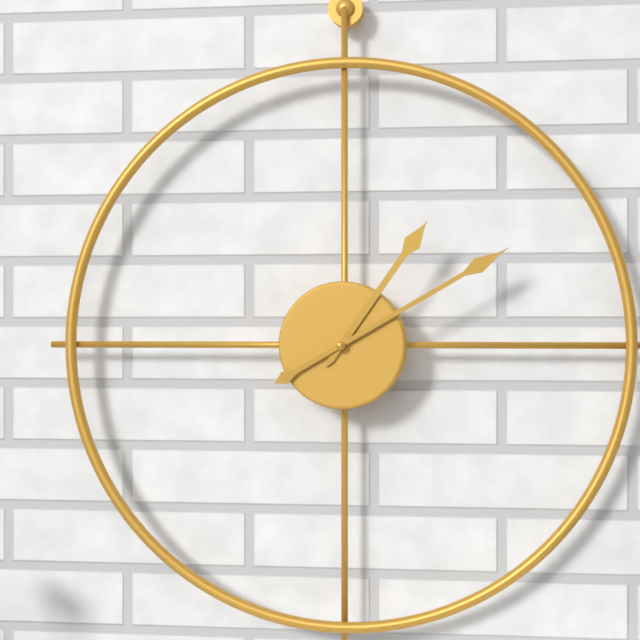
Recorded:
1,10
